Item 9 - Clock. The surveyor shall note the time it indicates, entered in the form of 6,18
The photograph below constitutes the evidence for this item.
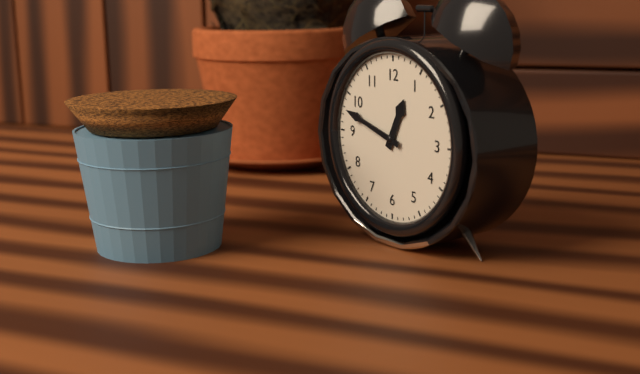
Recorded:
12,48
